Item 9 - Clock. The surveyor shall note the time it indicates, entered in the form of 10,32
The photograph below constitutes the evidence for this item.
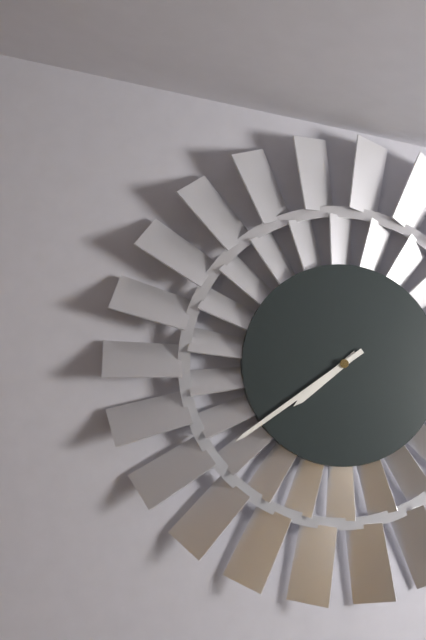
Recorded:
7,39
